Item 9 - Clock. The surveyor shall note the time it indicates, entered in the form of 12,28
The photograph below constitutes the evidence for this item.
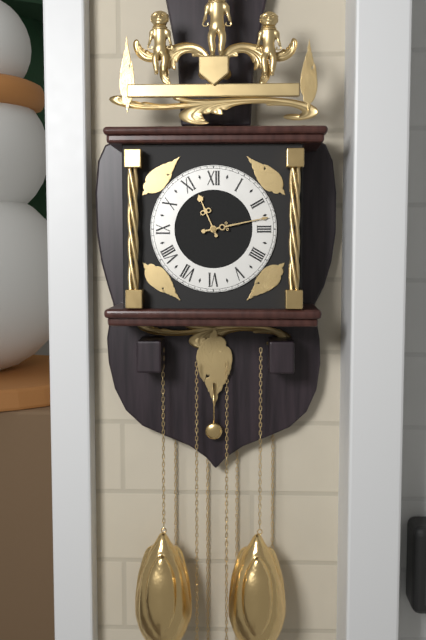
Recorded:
11,13
